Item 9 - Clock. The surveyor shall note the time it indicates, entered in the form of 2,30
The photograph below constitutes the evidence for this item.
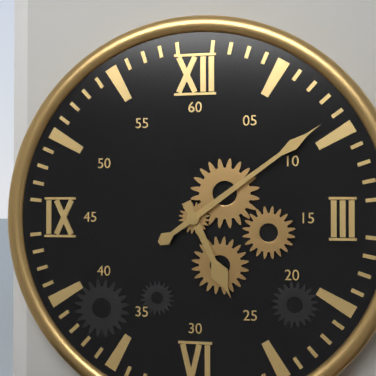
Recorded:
5,09
